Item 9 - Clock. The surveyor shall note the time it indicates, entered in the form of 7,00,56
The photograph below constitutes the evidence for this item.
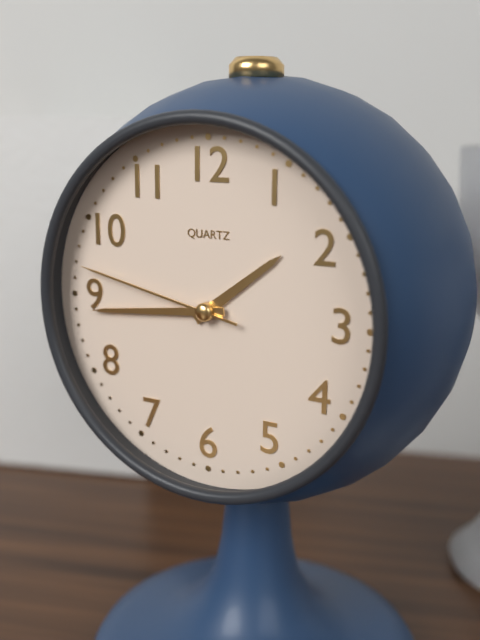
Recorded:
1,44,47
